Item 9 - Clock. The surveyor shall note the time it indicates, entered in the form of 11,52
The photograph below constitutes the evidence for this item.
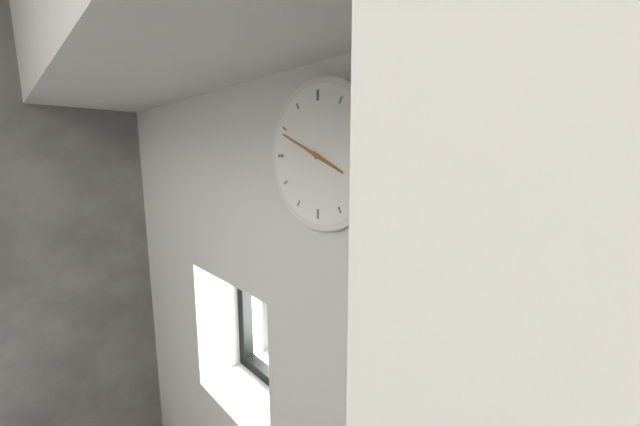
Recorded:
3,49
